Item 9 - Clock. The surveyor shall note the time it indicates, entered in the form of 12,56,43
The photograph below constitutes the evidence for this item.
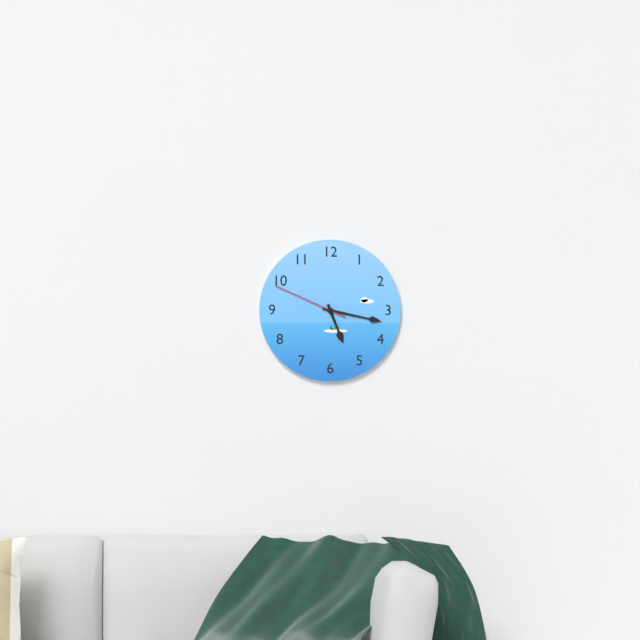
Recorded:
5,17,49
